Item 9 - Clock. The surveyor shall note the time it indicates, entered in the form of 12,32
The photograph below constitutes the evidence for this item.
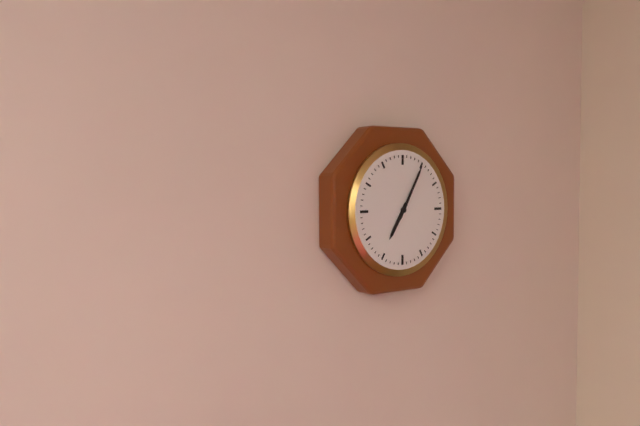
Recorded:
7,05
